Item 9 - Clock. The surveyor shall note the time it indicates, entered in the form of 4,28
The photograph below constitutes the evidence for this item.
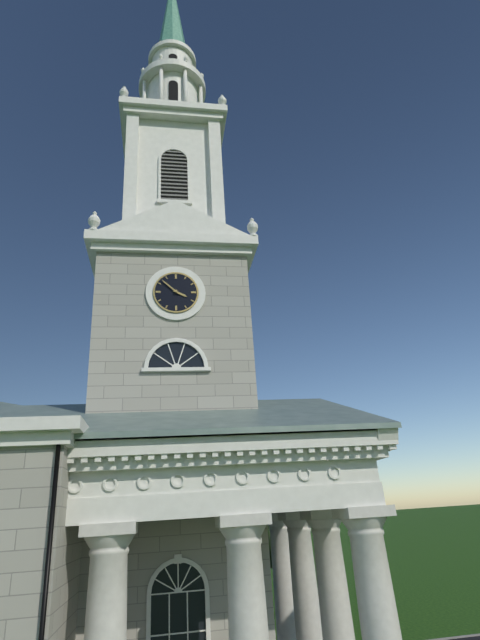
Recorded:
3,52
